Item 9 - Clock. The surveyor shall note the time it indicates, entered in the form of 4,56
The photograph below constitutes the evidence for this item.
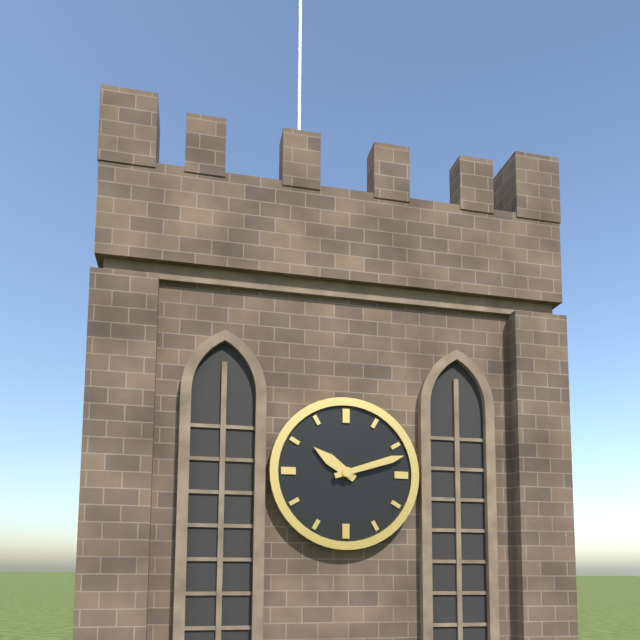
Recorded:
10,12
